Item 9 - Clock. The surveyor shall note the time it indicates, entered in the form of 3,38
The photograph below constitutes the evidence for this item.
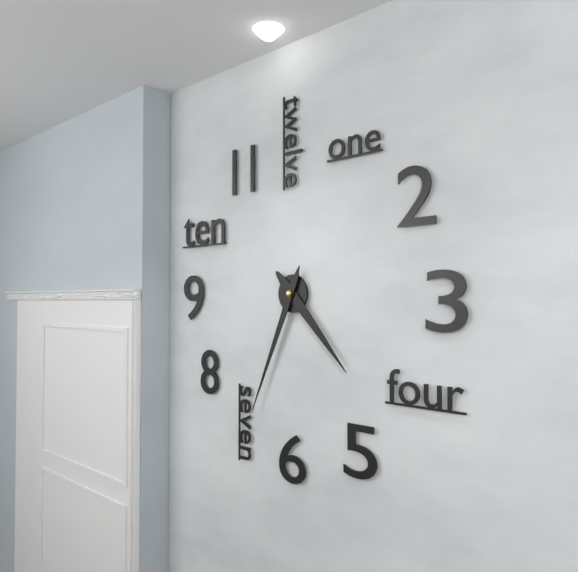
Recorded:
4,34
